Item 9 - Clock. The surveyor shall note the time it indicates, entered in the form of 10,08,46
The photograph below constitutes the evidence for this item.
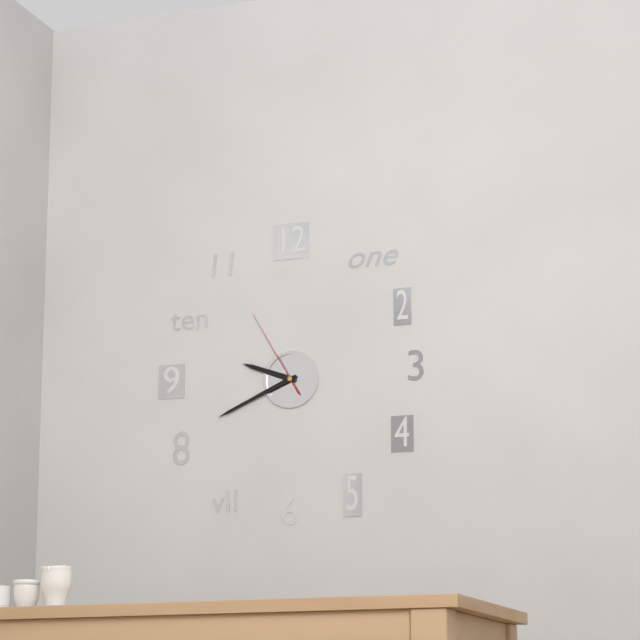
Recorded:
9,41,55
